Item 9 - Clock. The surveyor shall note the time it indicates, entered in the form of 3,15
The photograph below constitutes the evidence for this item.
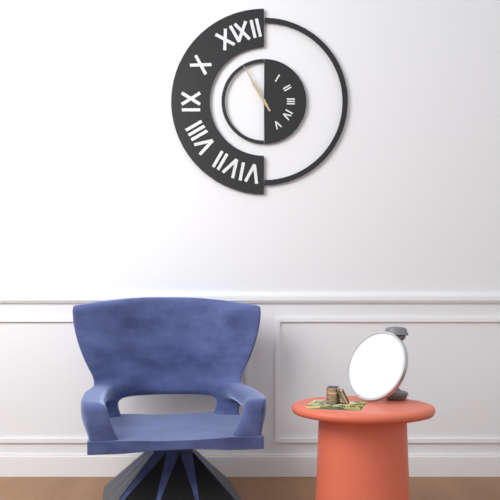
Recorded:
10,55
